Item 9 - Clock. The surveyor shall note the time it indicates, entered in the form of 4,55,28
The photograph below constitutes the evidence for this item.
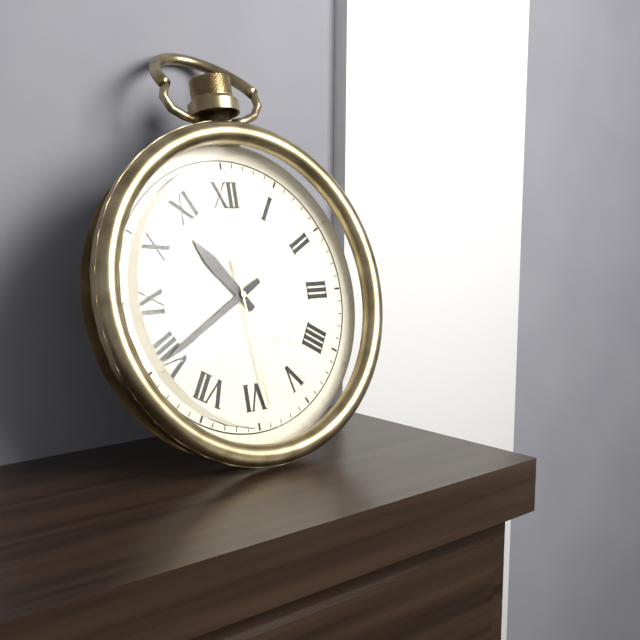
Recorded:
10,40,29
